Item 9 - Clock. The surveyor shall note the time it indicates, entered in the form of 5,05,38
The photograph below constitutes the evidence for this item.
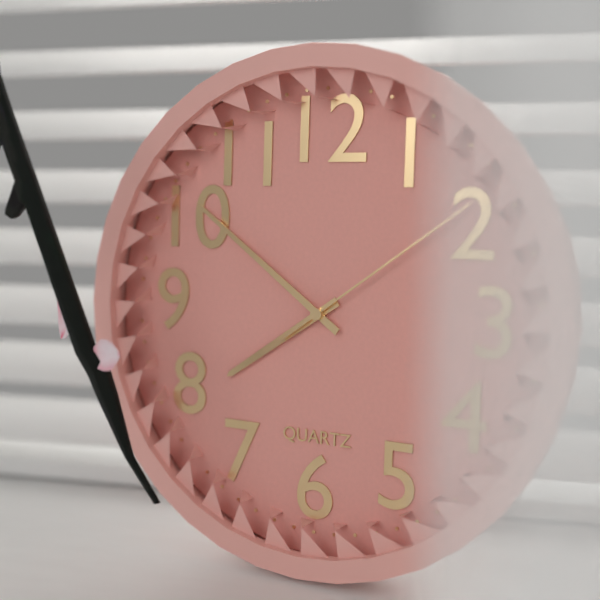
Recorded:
7,51,09
